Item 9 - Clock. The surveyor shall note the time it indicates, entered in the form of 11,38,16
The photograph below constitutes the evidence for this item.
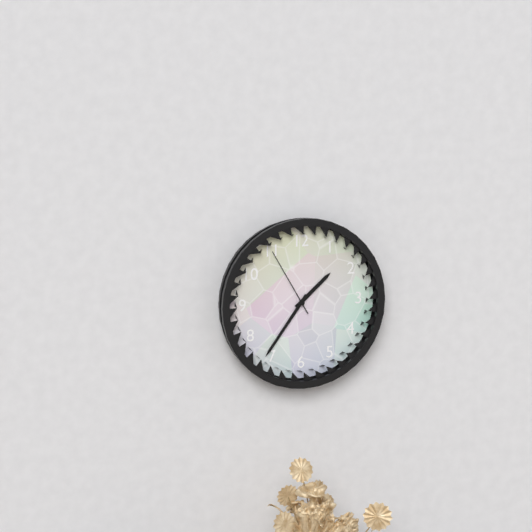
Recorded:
1,36,55
